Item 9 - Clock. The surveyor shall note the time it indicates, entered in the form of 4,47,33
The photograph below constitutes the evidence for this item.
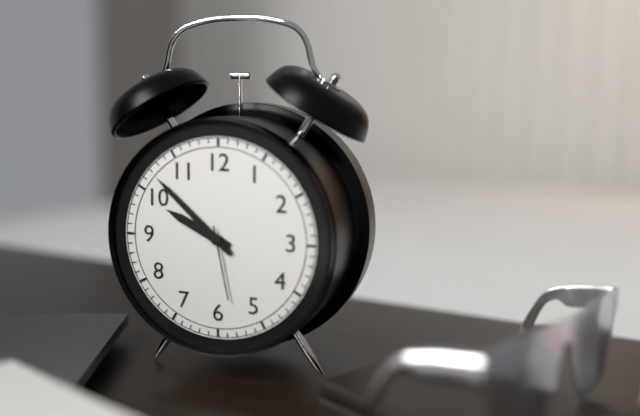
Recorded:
9,52,28
